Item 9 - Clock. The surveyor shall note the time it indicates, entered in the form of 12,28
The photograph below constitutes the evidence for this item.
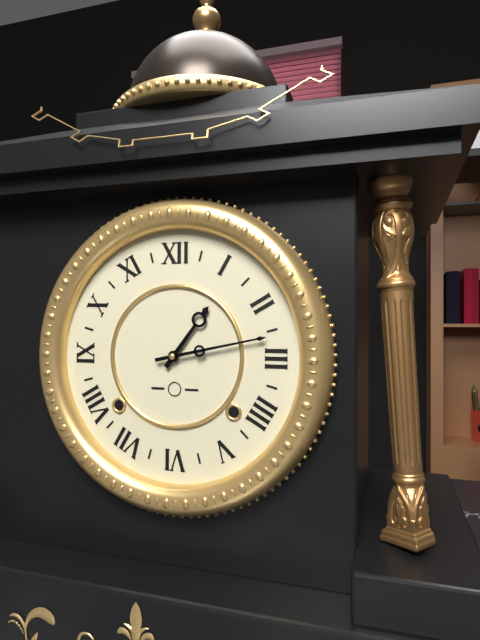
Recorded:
1,13
